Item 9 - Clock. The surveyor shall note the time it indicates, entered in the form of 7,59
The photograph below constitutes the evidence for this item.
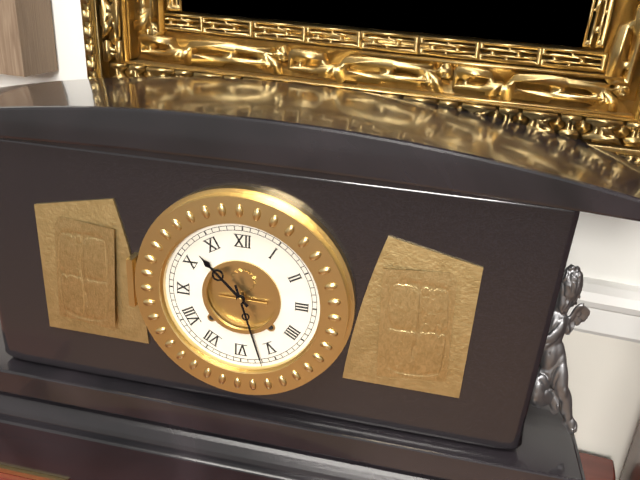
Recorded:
10,27
